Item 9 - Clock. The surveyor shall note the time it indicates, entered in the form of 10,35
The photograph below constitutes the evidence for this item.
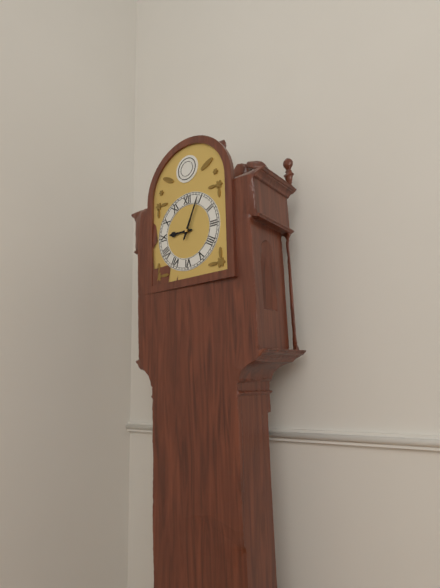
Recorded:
9,04
